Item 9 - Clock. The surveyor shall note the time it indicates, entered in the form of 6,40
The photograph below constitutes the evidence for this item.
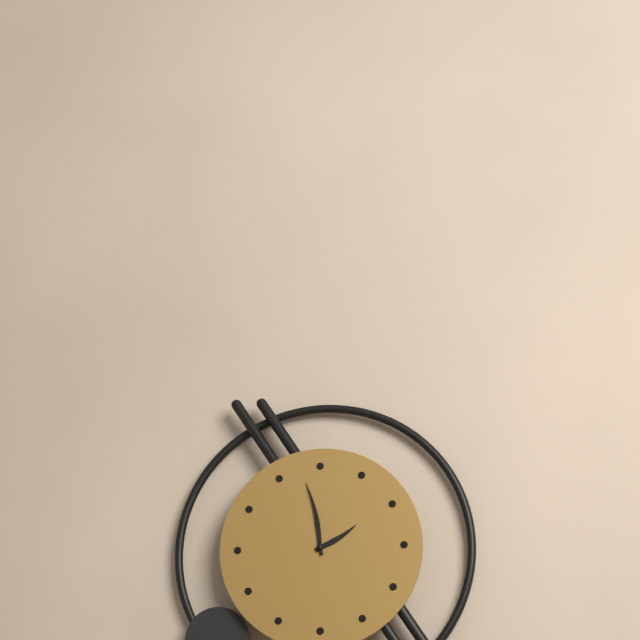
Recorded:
1,58
